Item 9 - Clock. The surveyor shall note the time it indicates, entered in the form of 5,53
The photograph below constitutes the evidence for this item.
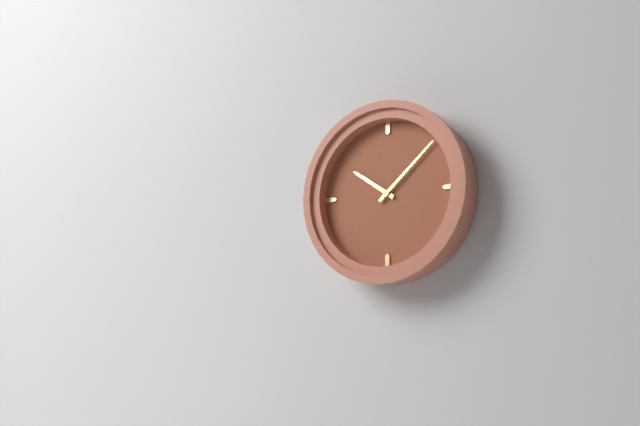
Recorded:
10,08
